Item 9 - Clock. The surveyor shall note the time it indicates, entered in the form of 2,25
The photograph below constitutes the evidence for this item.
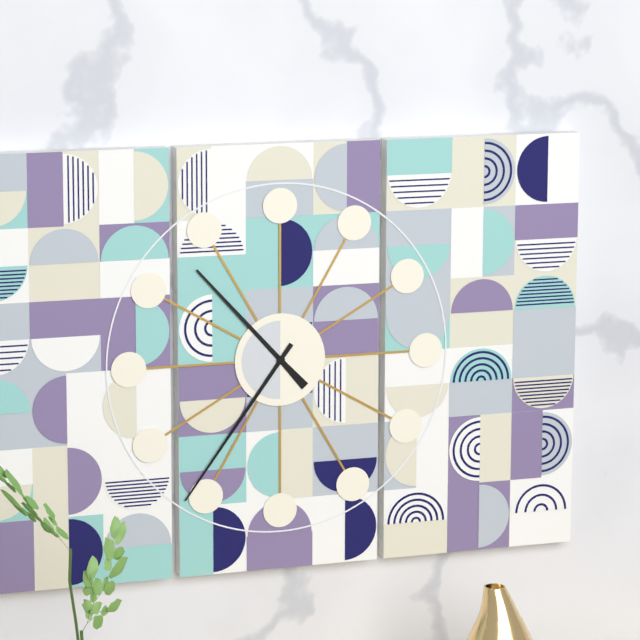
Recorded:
10,36
